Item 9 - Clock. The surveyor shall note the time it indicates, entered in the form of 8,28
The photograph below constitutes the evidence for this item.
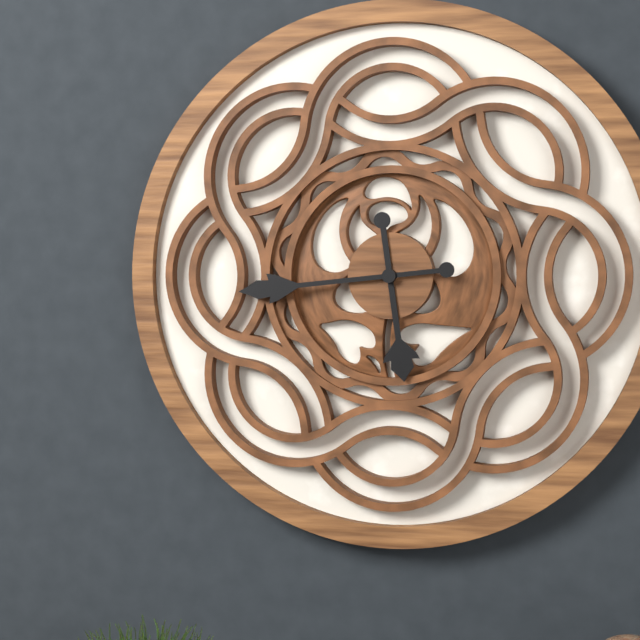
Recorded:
5,44
